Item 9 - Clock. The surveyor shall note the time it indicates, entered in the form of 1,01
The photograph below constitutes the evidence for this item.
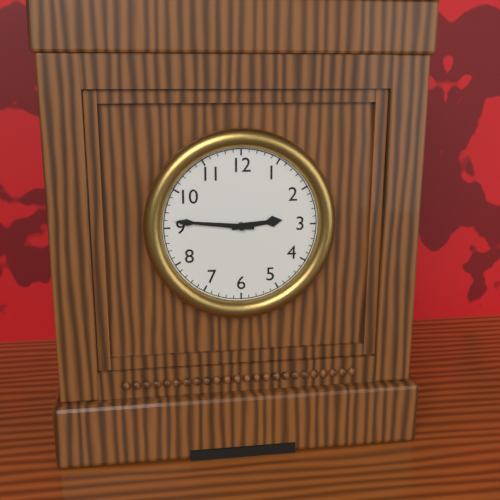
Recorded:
2,46
